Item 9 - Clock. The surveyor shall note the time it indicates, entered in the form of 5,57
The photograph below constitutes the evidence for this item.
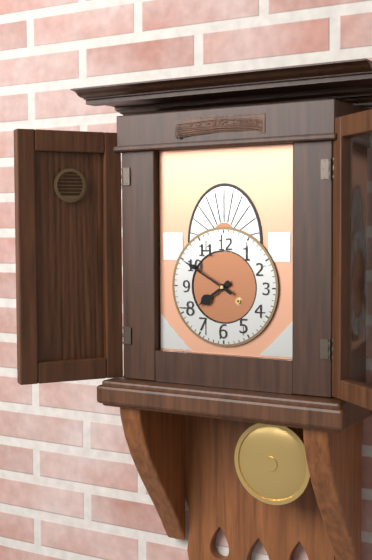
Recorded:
7,50
